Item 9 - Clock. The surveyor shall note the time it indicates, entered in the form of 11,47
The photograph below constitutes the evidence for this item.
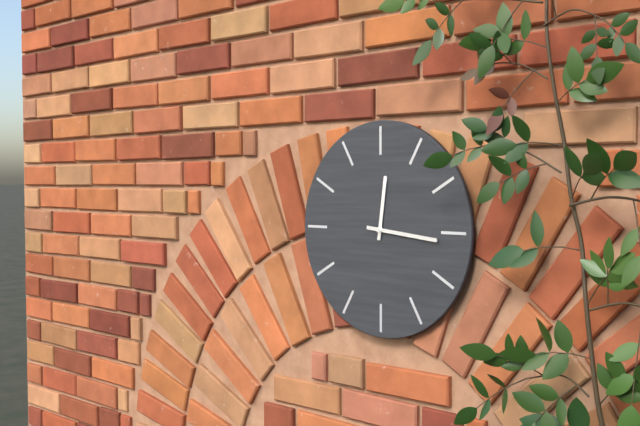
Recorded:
12,16
